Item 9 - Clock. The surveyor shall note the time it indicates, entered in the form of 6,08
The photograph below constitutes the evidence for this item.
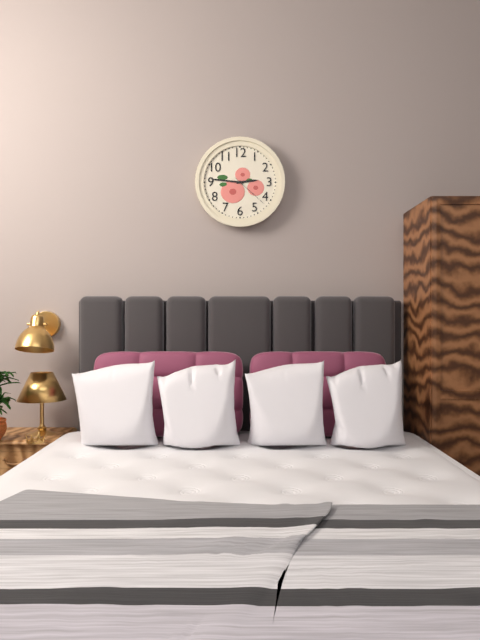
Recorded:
2,46
